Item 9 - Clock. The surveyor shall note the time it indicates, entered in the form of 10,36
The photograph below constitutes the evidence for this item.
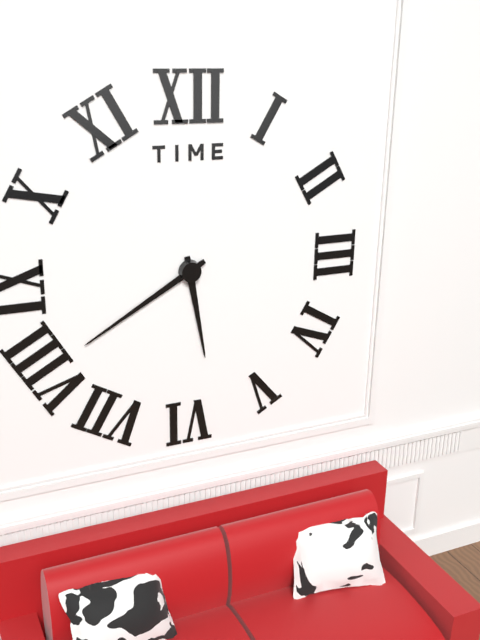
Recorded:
5,40
